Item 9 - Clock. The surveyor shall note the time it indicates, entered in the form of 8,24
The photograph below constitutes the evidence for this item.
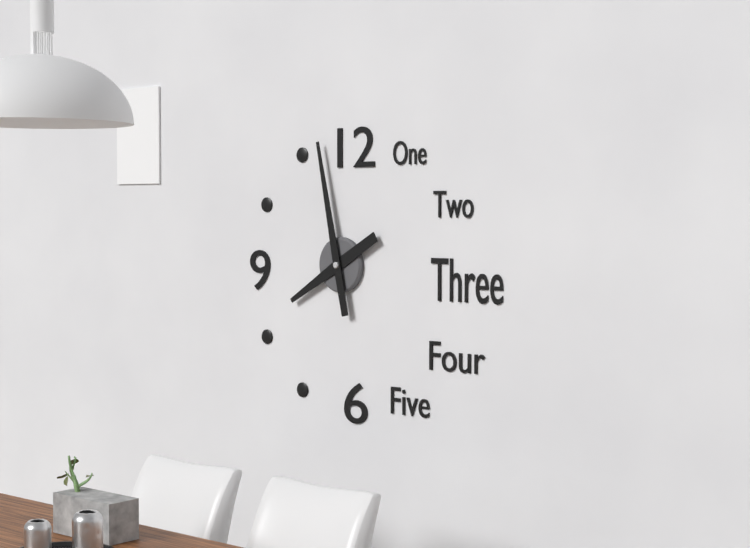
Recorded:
7,58
